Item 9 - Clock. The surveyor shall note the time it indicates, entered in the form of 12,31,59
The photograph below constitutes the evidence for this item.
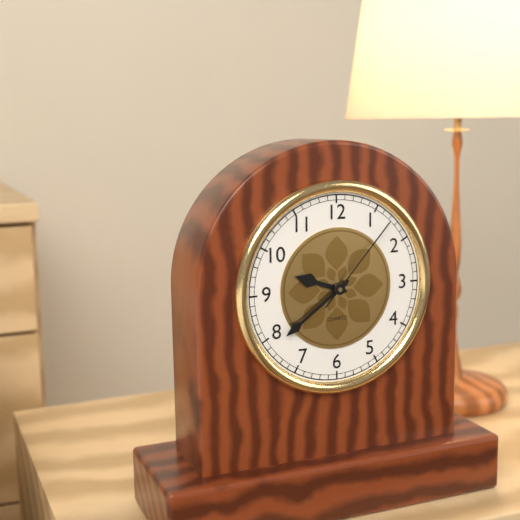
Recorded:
9,39,07
